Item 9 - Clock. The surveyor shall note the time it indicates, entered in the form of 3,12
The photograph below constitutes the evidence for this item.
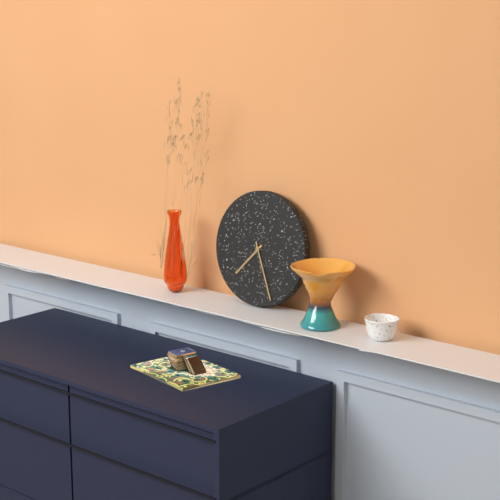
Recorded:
7,26
